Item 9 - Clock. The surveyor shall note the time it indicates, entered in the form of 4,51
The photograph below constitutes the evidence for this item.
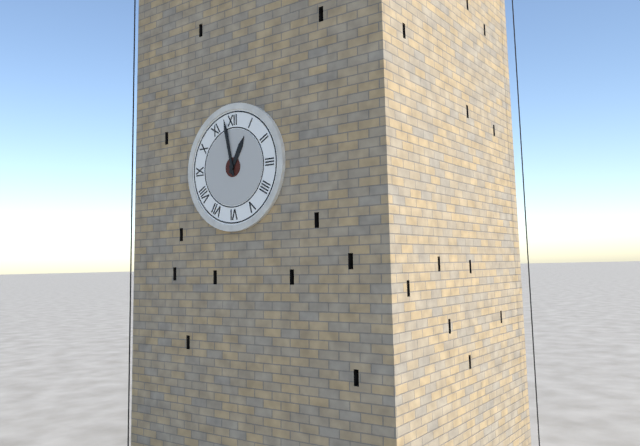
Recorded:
12,58
